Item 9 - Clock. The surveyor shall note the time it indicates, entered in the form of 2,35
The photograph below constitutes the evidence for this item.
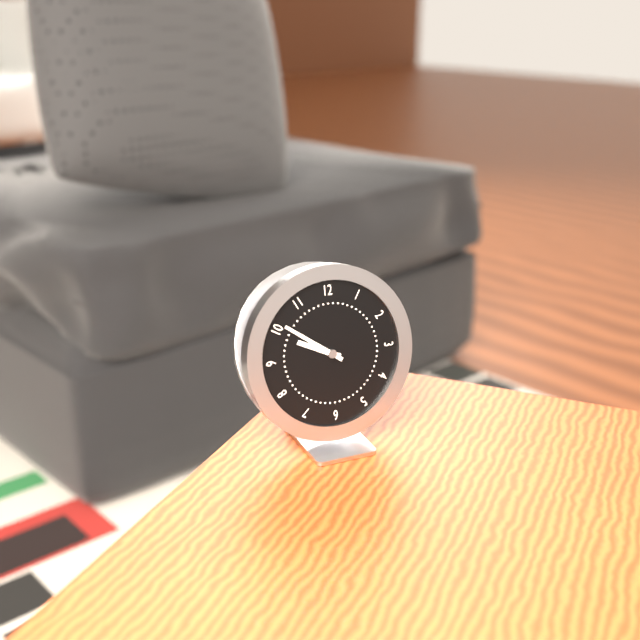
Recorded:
9,51
